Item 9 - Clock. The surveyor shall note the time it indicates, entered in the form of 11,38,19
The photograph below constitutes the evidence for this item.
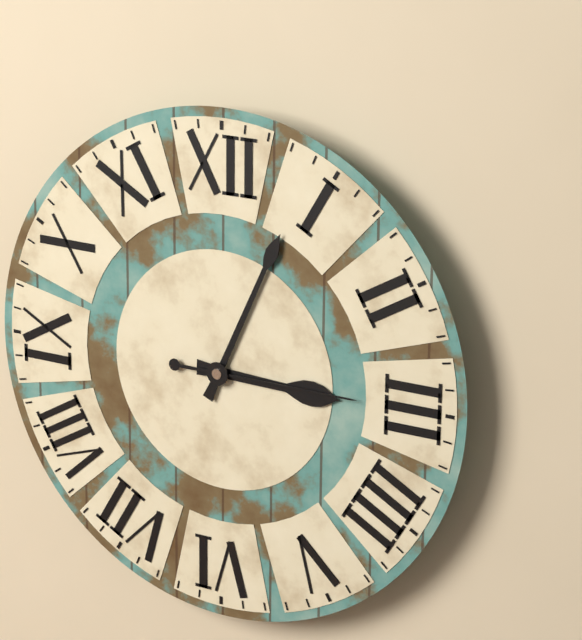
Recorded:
3,04,15
